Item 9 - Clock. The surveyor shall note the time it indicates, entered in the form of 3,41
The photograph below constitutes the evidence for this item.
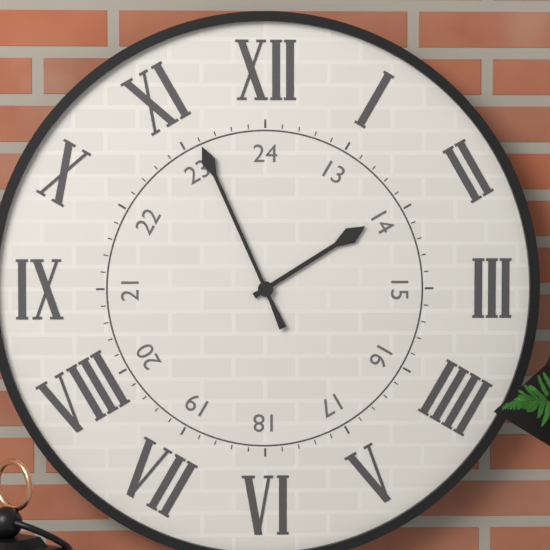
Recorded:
1,56
